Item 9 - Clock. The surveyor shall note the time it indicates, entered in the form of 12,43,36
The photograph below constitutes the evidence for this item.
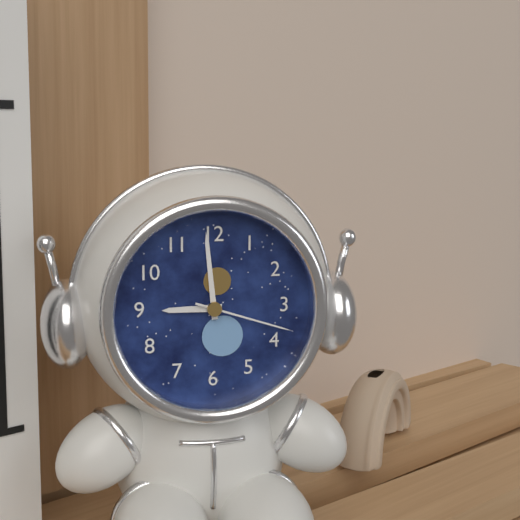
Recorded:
8,59,18
